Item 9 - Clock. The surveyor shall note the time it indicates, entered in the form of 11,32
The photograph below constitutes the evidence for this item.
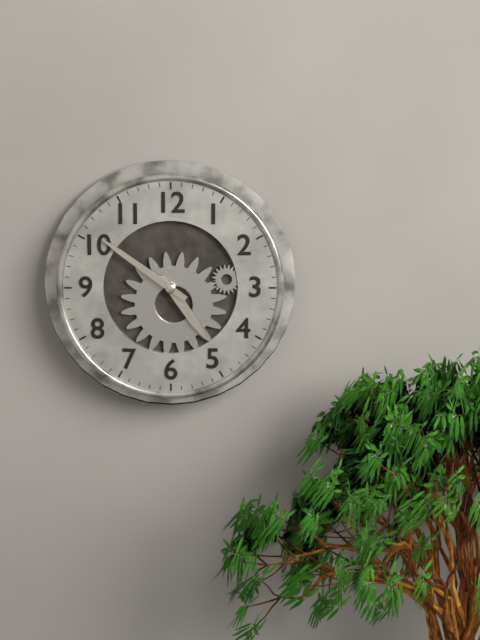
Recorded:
4,51
